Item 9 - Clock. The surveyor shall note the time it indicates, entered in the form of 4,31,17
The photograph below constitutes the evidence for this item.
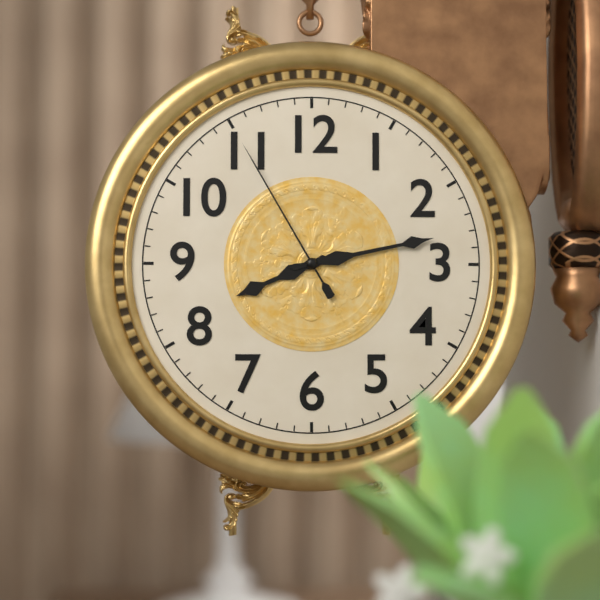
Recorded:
8,13,55
